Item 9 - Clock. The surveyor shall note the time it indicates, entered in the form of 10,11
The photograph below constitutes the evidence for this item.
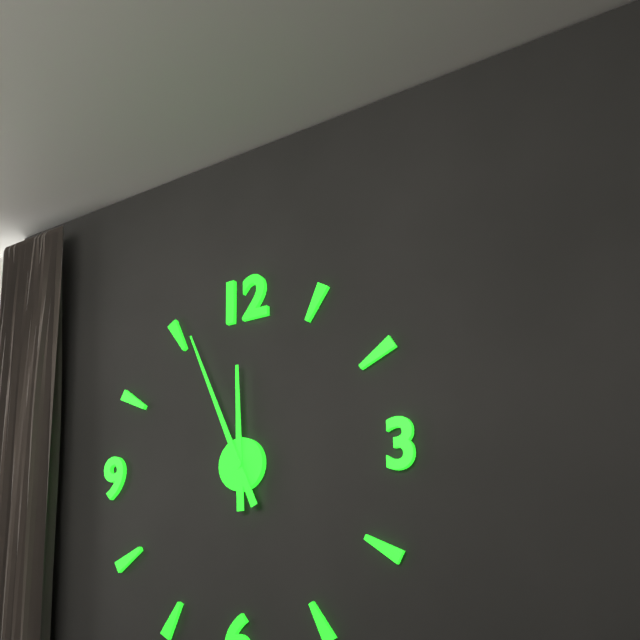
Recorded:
11,56
